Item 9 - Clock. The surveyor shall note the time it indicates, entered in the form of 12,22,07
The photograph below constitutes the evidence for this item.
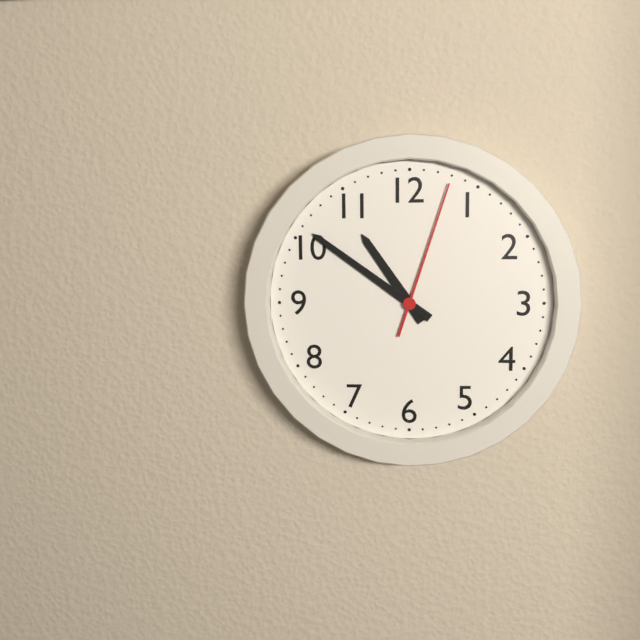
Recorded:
10,51,03
